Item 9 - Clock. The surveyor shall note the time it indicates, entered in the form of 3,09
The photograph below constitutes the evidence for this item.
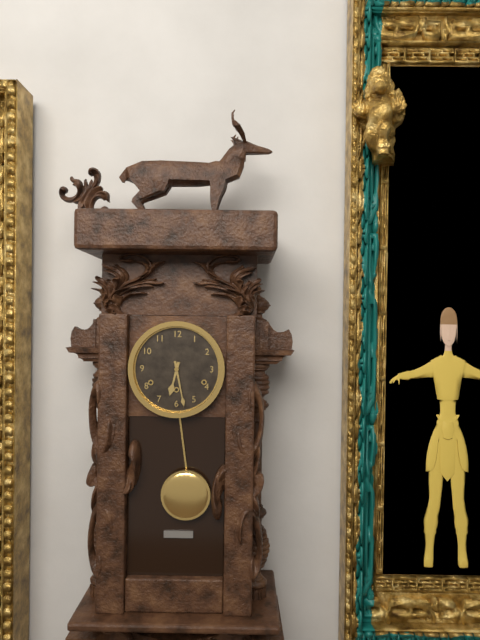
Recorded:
6,28
